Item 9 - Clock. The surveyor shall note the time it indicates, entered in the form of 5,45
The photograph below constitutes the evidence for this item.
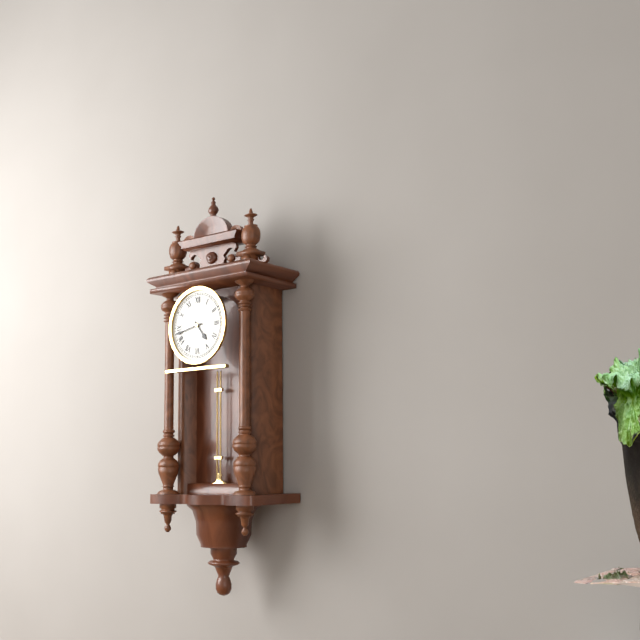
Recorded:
4,43
